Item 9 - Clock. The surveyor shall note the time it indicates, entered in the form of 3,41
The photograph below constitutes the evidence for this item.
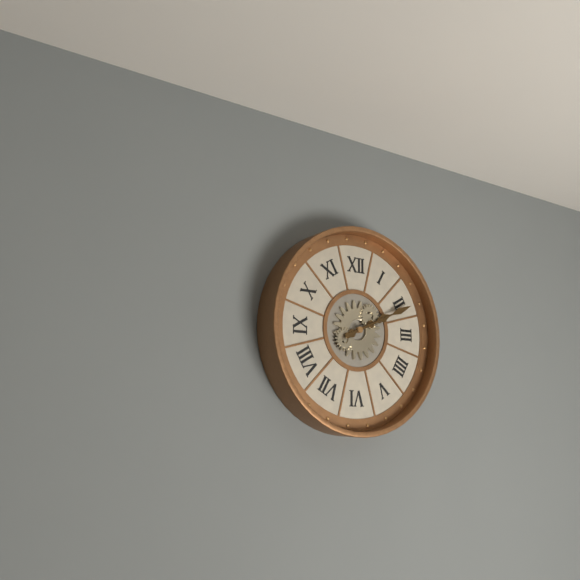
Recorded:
2,11
